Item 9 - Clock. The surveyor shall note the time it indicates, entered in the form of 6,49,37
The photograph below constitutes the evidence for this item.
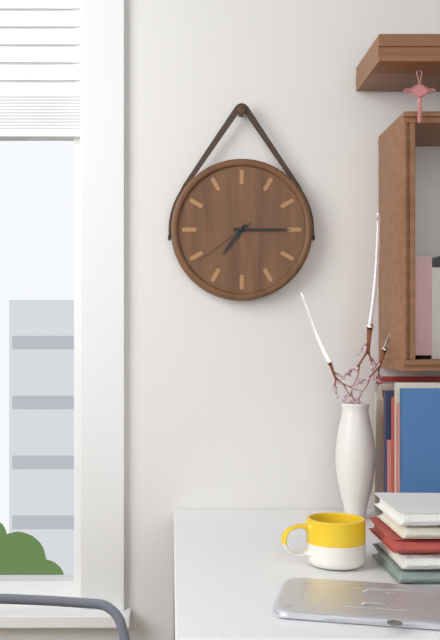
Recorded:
7,15,39
